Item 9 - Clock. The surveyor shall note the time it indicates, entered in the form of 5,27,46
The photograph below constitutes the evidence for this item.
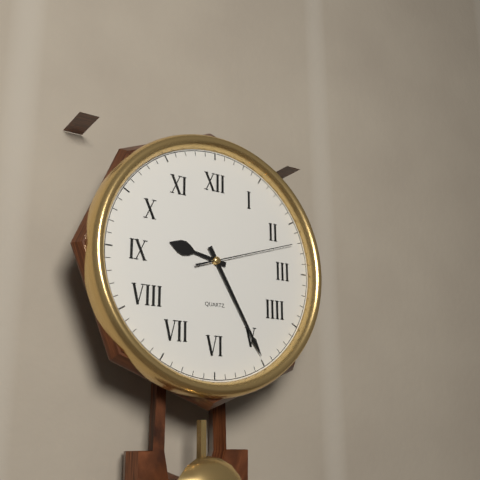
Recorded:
9,25,12
